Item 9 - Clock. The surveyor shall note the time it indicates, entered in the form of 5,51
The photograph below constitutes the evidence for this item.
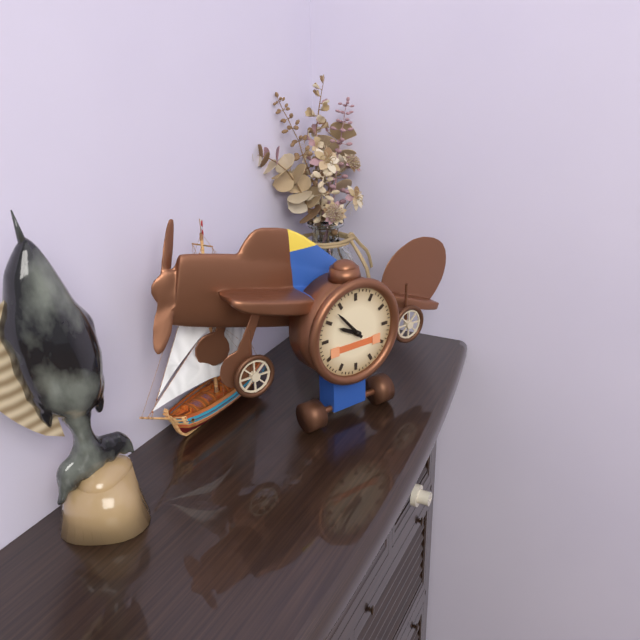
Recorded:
9,53
